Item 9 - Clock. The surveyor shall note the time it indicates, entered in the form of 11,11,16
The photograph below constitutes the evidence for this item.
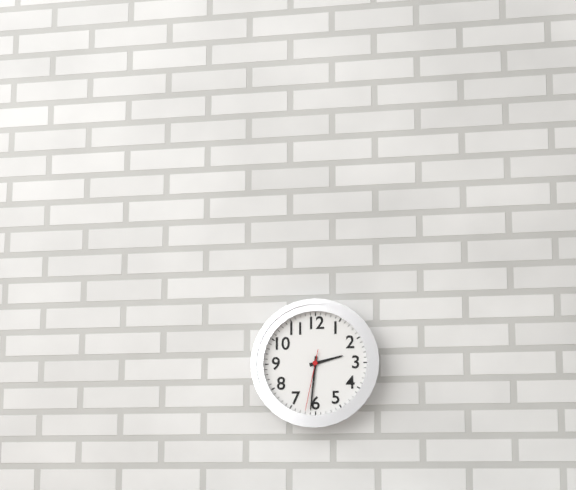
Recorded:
2,31,32
